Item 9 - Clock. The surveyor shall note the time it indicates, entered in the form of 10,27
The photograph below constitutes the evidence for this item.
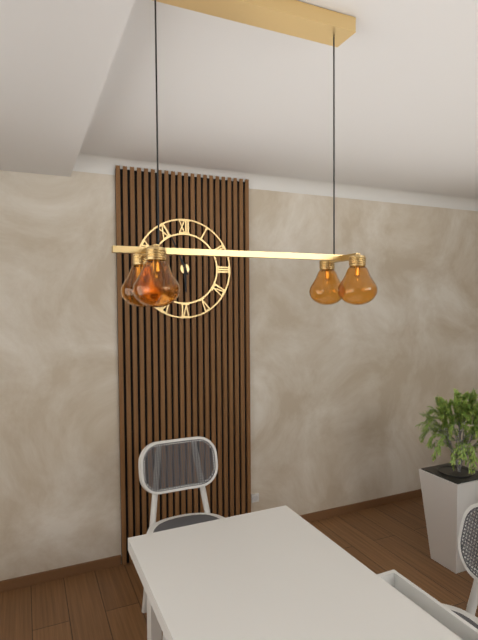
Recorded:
5,56
